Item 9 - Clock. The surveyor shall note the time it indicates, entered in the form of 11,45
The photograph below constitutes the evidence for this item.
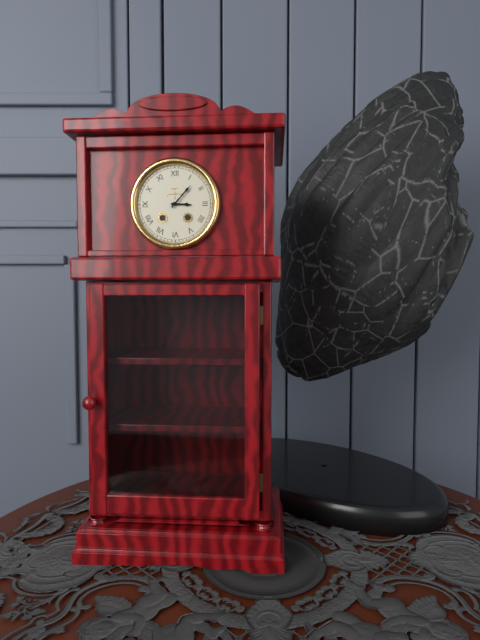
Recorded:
3,07
